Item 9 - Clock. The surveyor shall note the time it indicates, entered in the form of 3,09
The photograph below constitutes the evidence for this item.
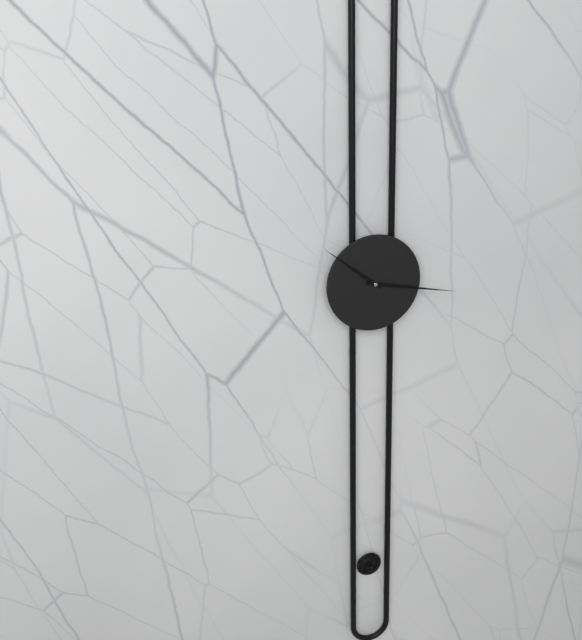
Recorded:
10,17
